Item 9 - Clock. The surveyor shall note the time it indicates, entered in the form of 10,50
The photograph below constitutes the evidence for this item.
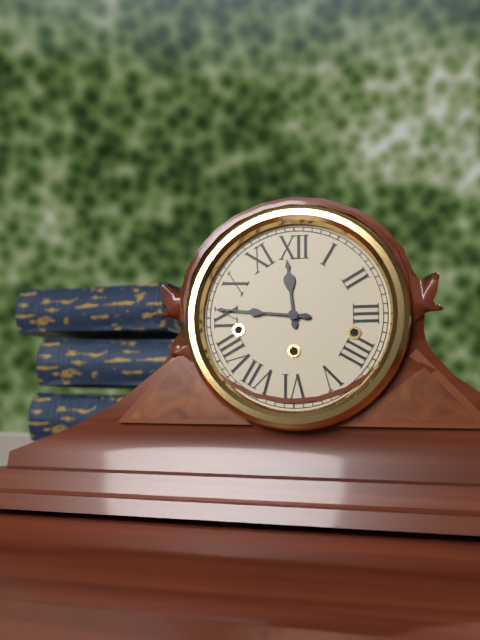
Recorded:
11,46
